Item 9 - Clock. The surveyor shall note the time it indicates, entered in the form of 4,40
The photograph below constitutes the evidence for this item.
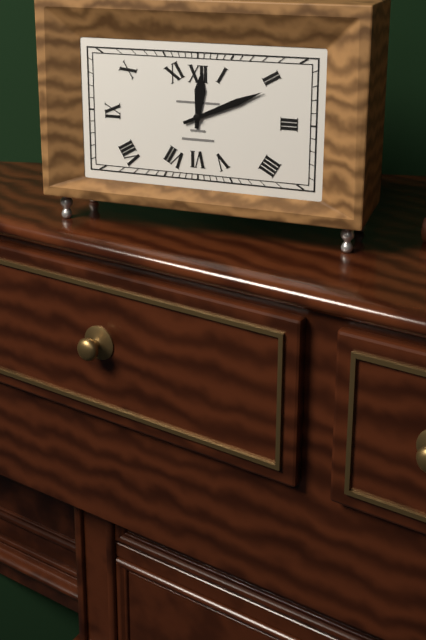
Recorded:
12,11
